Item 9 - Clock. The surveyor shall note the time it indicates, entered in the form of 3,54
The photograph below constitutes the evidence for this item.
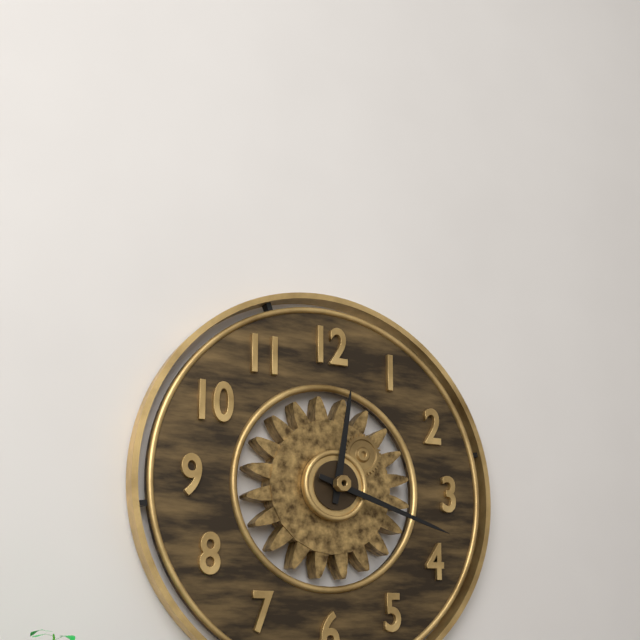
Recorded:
12,18
